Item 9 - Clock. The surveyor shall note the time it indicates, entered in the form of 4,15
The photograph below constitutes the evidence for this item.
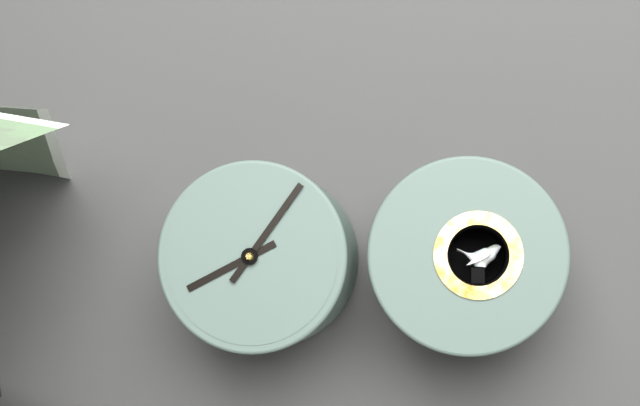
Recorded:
8,06
